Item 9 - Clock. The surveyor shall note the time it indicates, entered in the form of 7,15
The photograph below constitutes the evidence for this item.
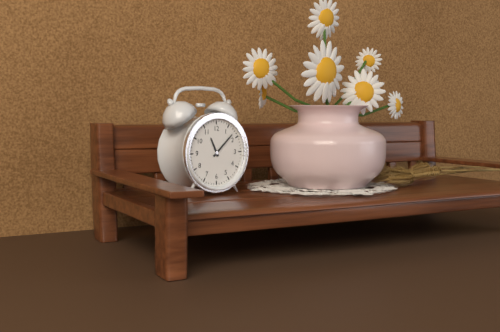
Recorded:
11,08
